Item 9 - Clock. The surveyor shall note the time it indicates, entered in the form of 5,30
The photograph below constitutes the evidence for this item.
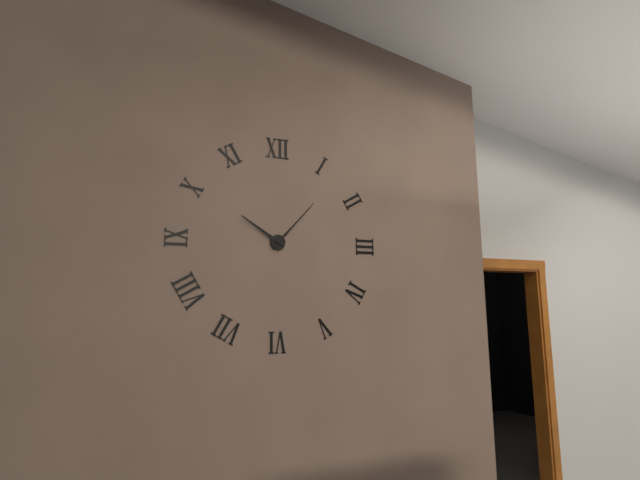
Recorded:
10,07
